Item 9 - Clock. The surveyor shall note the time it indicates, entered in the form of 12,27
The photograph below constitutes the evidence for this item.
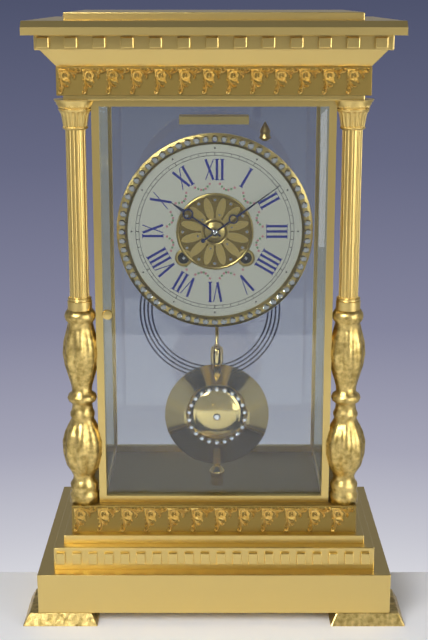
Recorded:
10,09
